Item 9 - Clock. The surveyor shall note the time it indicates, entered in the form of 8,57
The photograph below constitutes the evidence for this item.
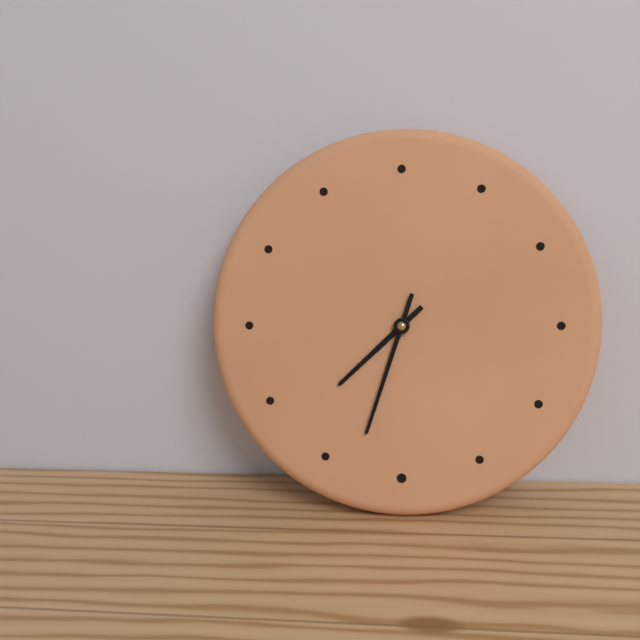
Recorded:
7,33
